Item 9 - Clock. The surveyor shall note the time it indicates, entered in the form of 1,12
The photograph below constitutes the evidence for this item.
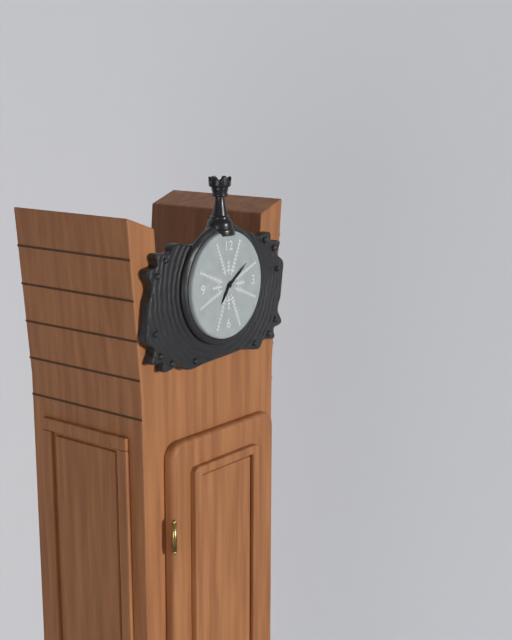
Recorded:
7,09
